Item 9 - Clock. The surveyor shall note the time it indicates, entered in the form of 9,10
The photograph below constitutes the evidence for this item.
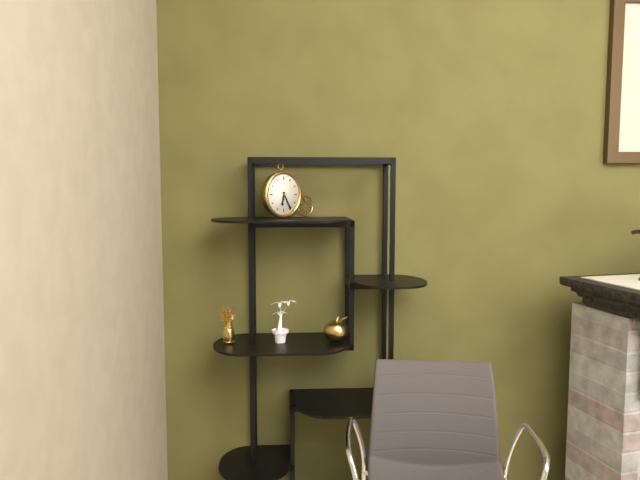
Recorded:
6,25
